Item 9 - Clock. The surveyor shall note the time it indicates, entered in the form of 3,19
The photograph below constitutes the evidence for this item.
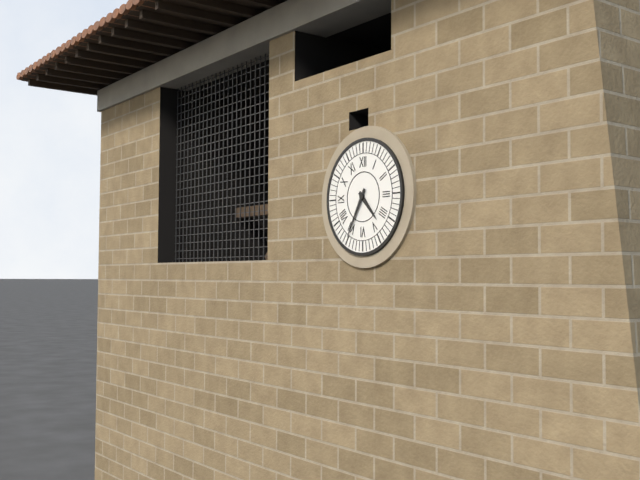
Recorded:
4,35
